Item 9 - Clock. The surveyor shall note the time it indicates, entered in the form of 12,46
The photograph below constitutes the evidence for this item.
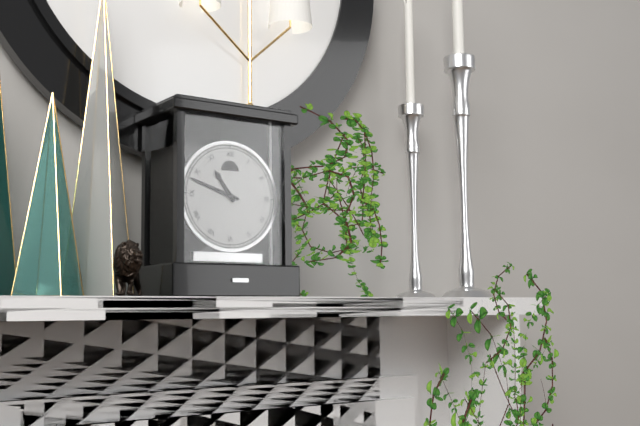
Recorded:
10,48
